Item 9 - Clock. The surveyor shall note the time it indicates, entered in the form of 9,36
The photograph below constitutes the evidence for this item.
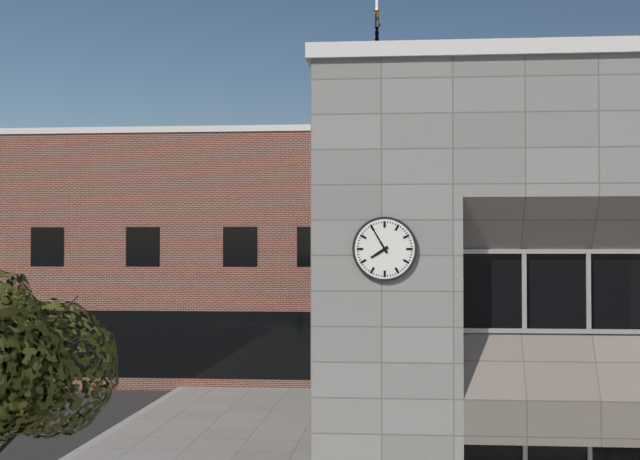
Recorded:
7,55
